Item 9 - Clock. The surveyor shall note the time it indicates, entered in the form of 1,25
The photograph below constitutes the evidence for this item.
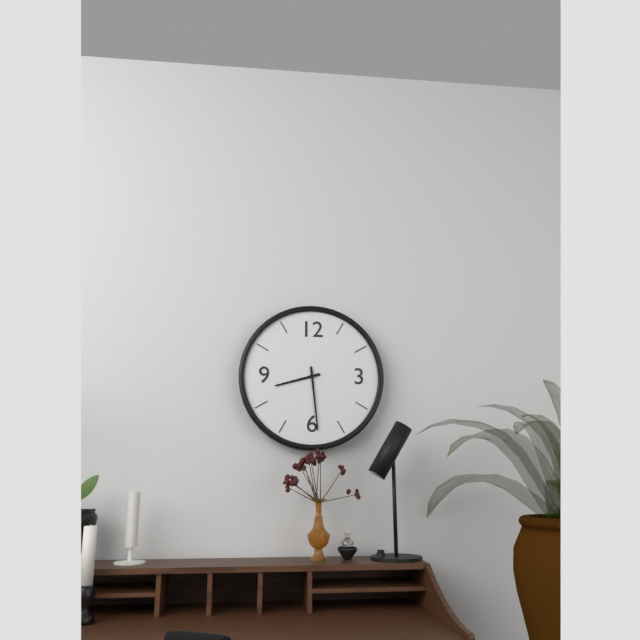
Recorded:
8,29
